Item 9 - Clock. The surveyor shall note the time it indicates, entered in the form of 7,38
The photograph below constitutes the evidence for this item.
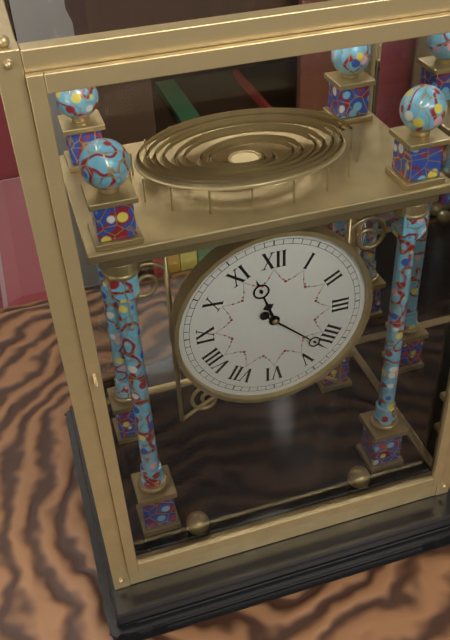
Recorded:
11,22
